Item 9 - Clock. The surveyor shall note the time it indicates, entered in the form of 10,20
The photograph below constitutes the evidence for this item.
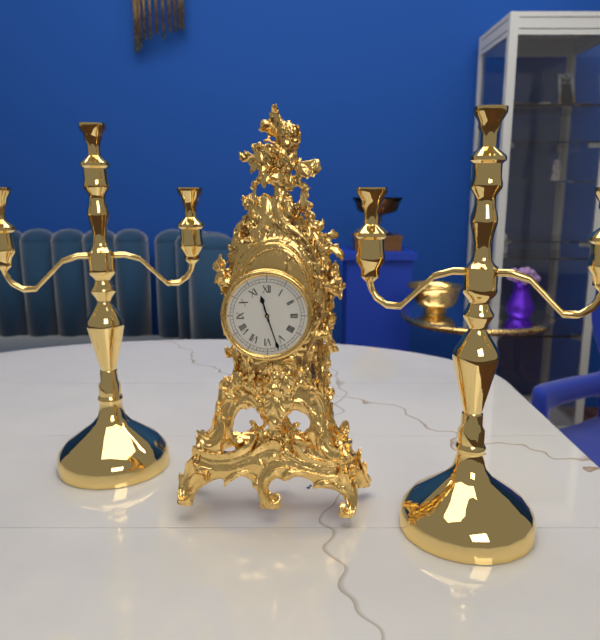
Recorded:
11,27
